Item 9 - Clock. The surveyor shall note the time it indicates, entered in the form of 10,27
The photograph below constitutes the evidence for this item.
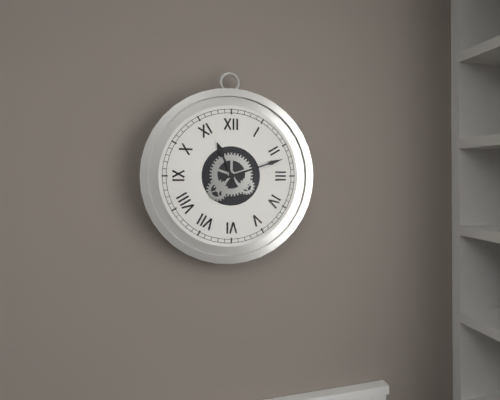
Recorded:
11,12
